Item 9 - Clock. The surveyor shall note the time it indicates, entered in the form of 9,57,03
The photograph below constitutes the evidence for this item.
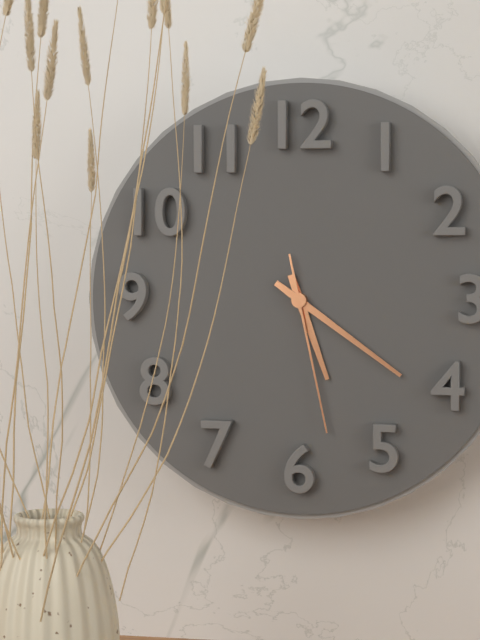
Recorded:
5,21,28
